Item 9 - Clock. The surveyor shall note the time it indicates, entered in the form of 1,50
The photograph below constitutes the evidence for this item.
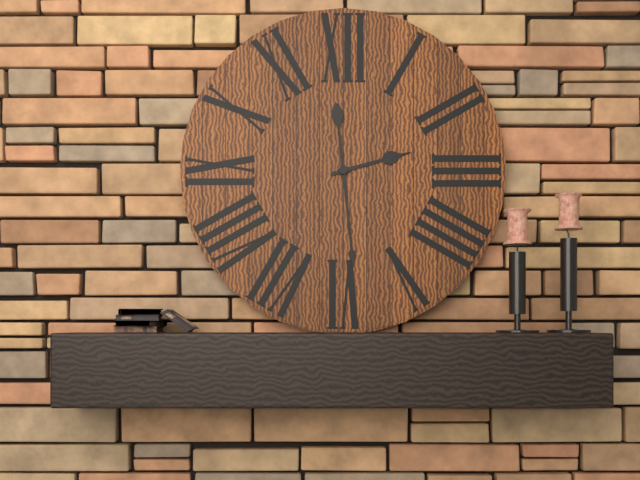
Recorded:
2,29
